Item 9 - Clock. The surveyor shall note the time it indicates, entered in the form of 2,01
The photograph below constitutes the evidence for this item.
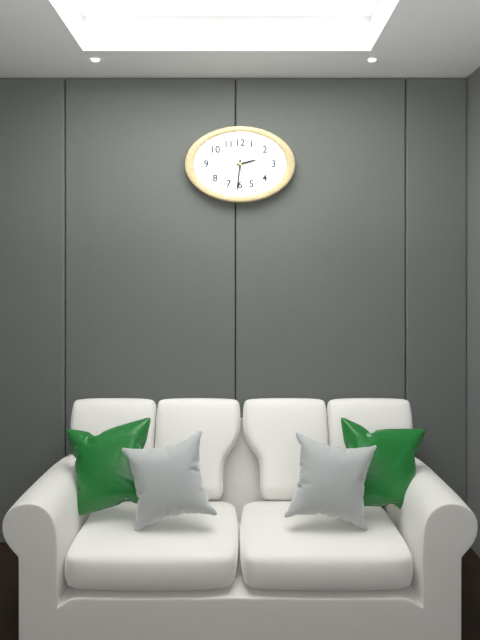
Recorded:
2,31
